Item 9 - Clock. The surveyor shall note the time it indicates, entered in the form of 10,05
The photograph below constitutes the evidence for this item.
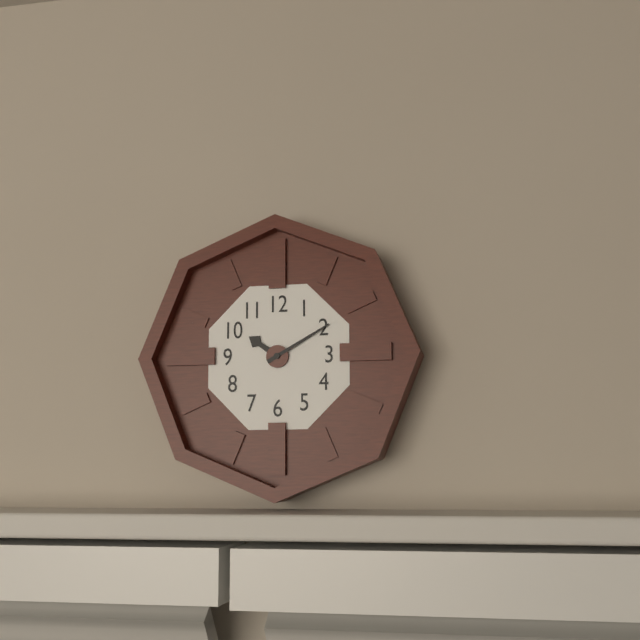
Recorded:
10,10
